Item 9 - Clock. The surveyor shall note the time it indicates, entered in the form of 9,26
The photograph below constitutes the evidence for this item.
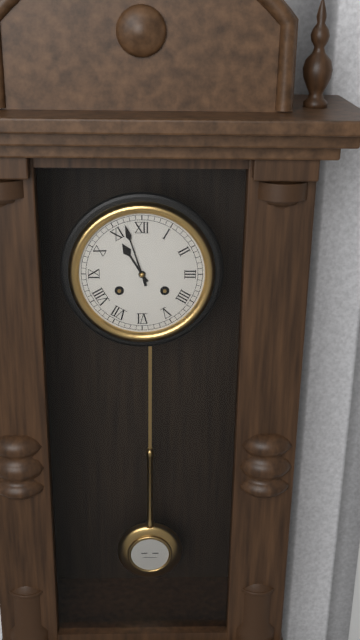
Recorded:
10,57
